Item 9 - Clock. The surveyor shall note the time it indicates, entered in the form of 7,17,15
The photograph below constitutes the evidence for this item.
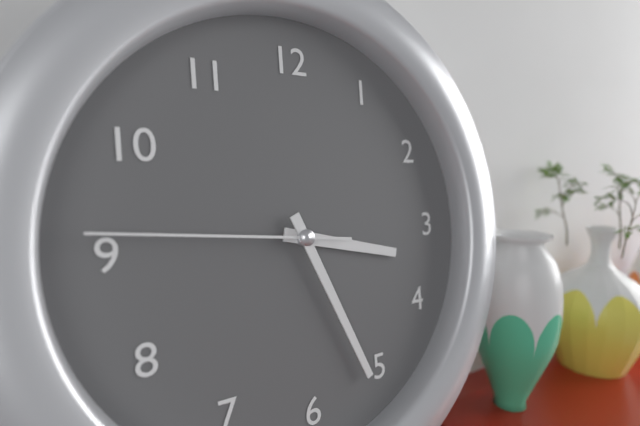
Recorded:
3,26,46
